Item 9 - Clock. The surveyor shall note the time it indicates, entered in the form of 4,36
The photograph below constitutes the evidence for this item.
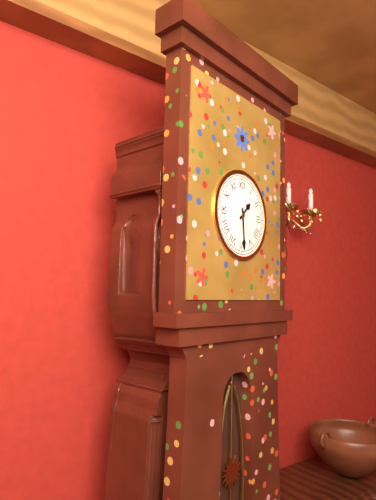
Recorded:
1,29
